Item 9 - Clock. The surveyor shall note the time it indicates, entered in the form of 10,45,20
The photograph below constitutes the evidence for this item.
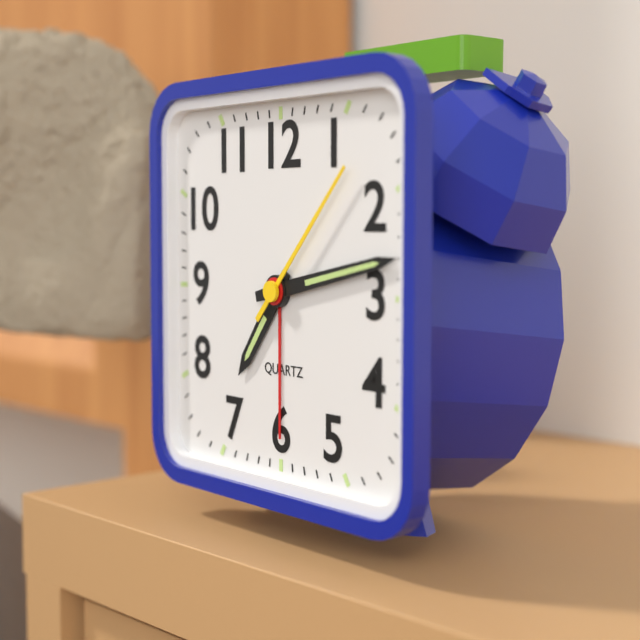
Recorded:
7,13,07
